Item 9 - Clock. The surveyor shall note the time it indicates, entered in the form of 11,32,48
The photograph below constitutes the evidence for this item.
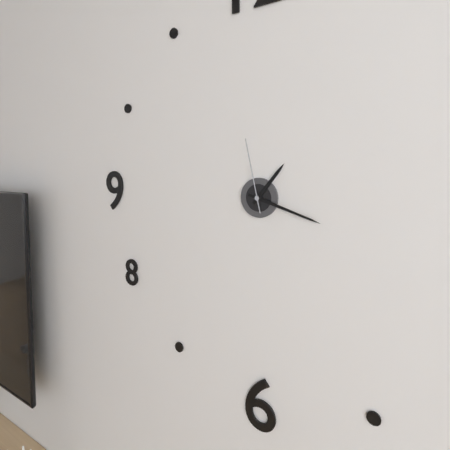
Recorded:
1,18,58
